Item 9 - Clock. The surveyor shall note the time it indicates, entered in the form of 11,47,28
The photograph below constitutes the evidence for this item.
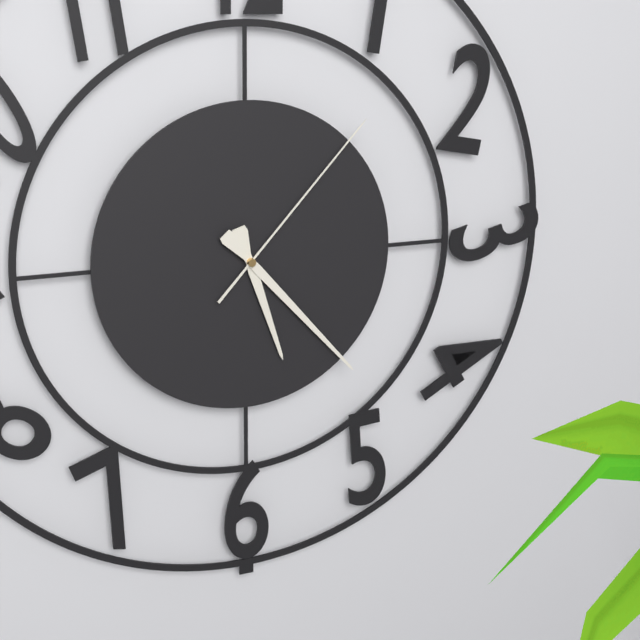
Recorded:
5,23,07
